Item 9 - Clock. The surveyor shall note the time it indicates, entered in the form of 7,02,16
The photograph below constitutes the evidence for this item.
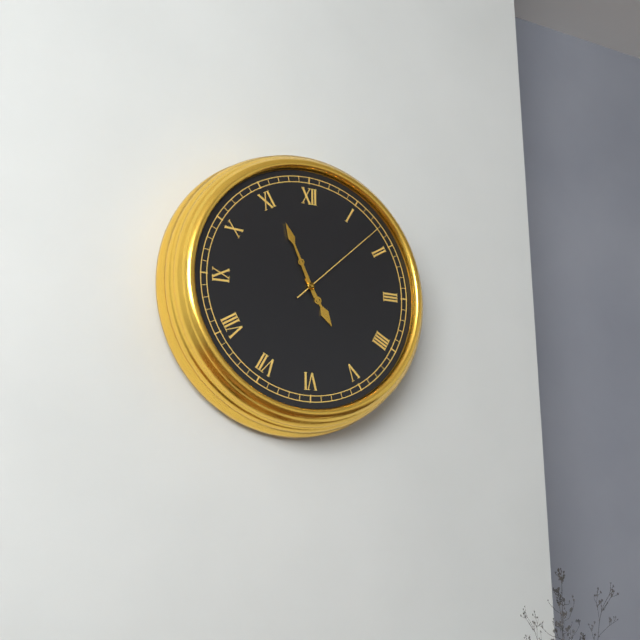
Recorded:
4,56,08
